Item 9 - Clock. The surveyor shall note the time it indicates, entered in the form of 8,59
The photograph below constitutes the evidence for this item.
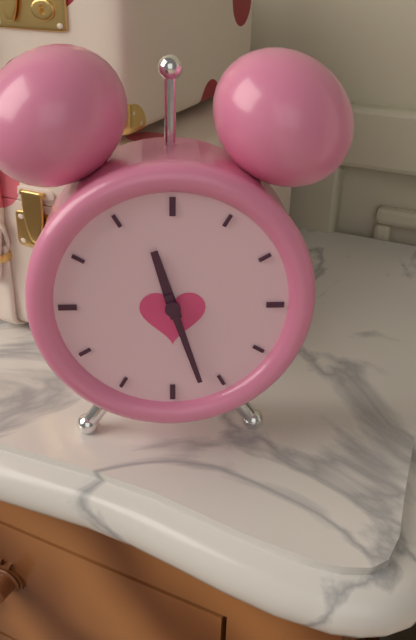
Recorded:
11,27
